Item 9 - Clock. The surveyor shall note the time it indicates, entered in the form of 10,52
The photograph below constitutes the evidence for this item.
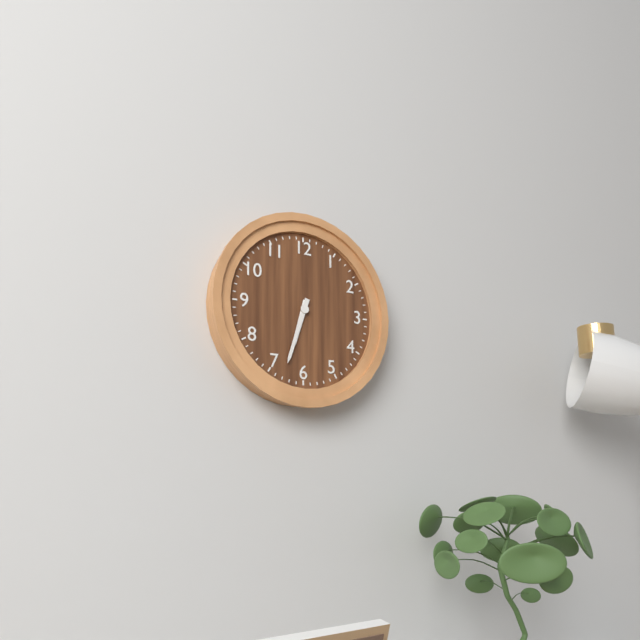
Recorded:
6,33
